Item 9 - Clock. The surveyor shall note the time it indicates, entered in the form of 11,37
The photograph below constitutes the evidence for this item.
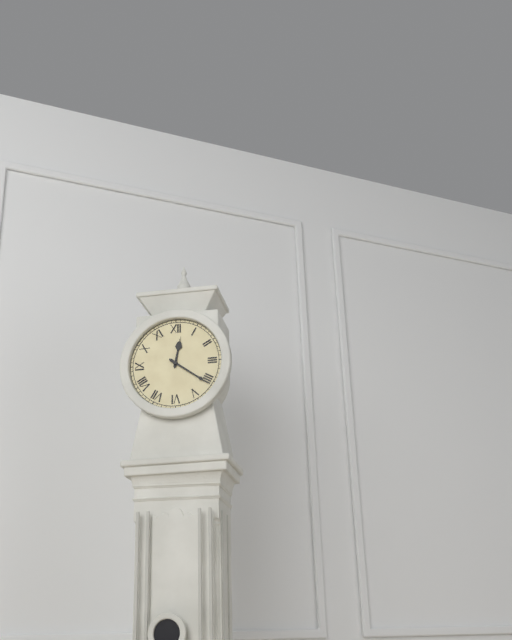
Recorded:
12,21
